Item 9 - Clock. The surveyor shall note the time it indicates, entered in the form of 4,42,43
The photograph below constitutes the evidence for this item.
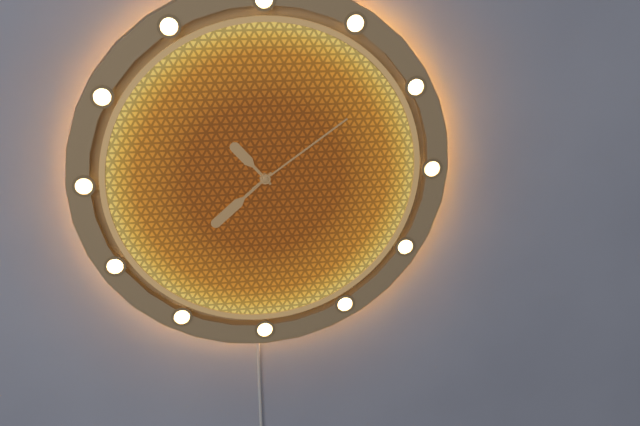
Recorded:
10,38,09
